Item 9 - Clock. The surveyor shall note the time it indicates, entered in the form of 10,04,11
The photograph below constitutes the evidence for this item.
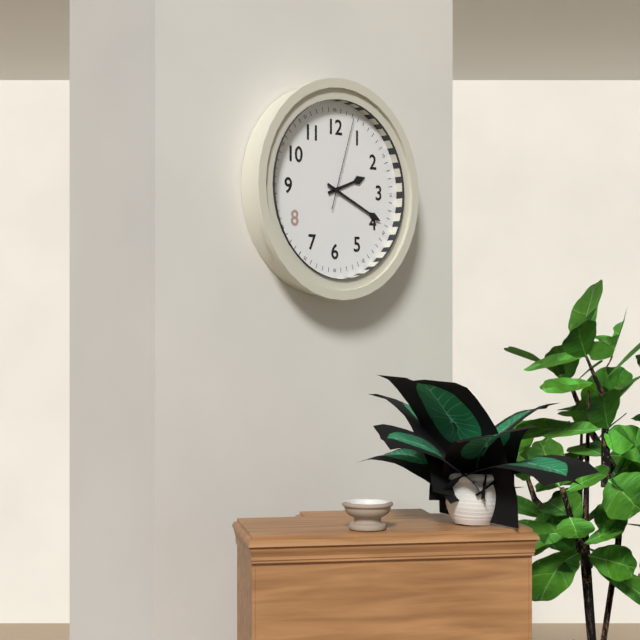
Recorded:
2,19,03
